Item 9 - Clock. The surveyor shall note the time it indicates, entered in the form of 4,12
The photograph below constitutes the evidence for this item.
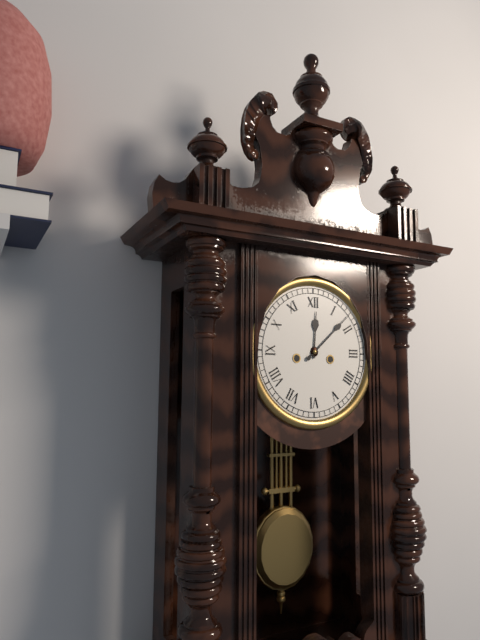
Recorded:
12,08
